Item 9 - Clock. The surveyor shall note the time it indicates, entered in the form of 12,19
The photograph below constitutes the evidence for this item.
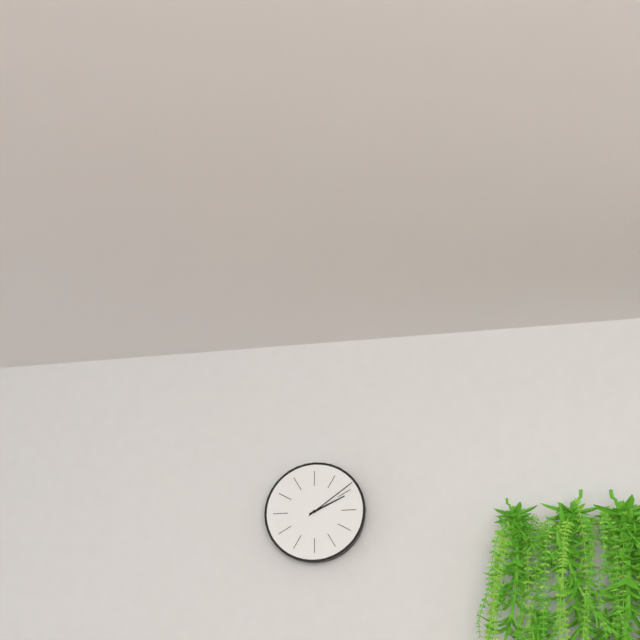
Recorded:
2,09
